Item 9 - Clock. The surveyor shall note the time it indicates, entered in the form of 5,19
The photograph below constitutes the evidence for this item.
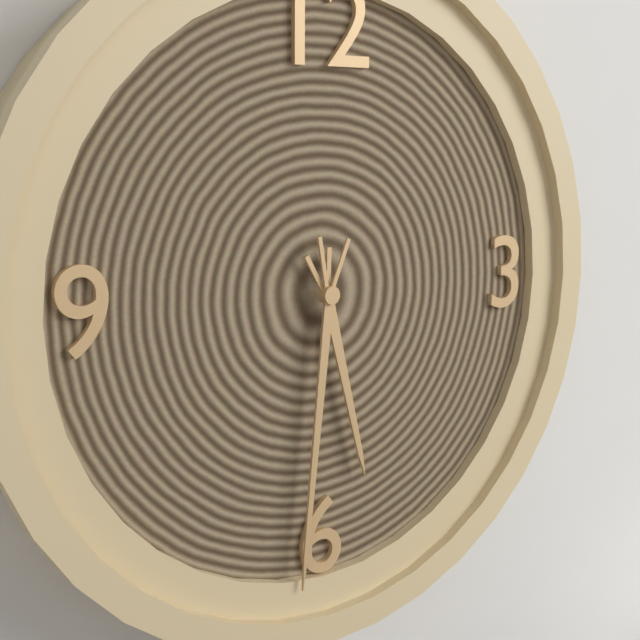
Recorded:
5,31
